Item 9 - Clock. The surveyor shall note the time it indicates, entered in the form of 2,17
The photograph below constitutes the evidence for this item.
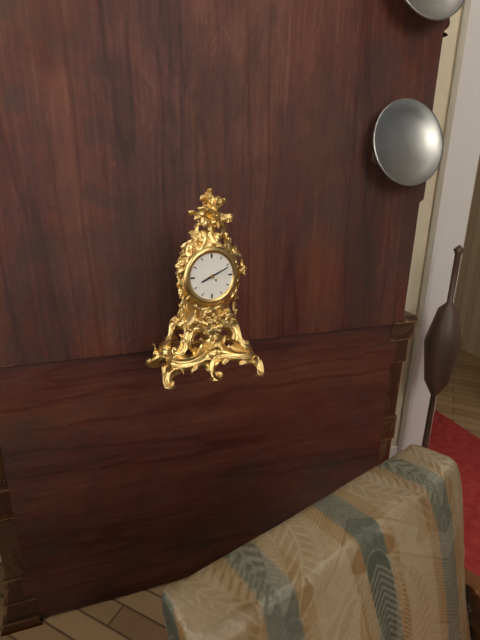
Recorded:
8,11
